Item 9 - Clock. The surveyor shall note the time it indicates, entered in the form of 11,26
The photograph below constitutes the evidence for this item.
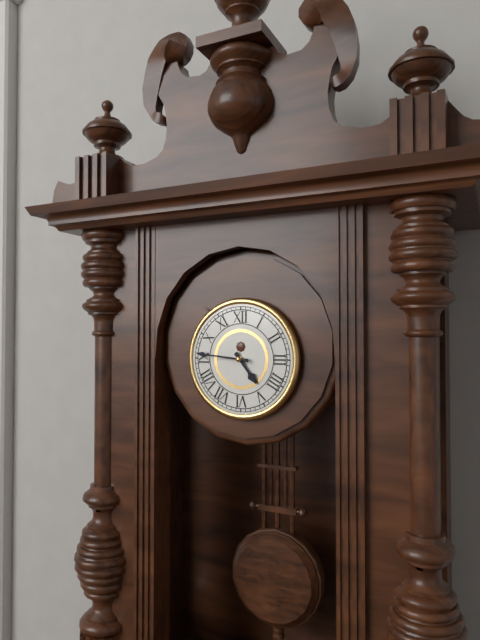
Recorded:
4,46
